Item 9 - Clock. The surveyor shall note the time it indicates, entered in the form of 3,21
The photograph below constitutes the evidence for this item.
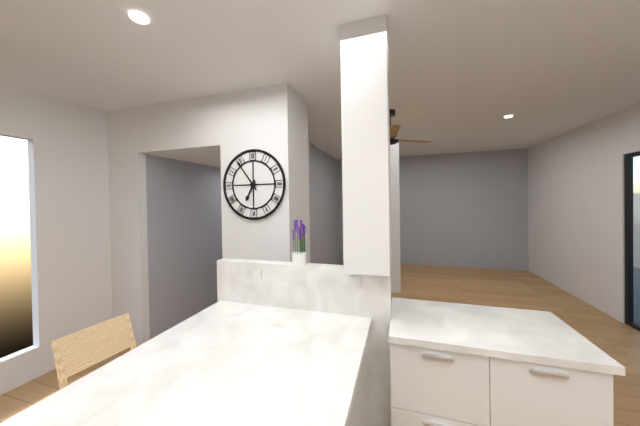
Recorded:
6,54
